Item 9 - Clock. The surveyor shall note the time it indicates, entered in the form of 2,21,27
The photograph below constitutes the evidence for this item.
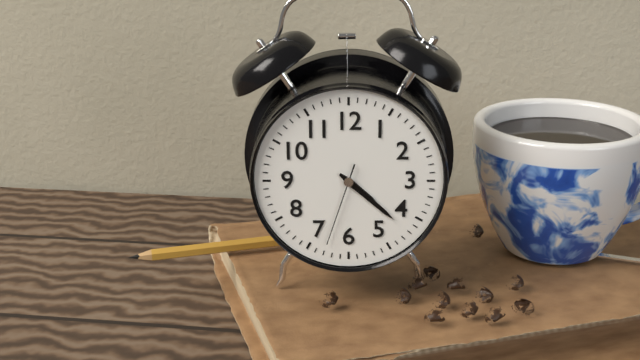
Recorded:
4,22,33
